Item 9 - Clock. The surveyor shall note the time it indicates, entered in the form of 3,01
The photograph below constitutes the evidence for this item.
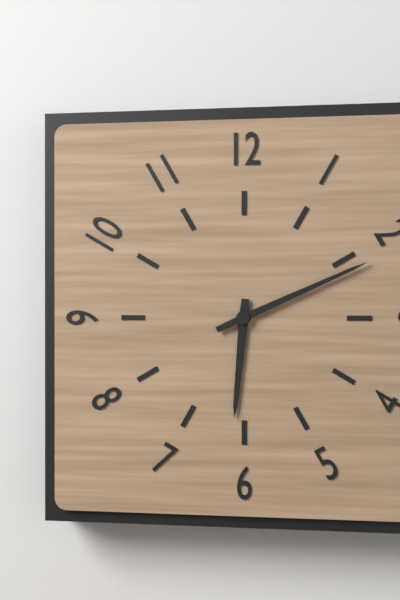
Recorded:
6,11
